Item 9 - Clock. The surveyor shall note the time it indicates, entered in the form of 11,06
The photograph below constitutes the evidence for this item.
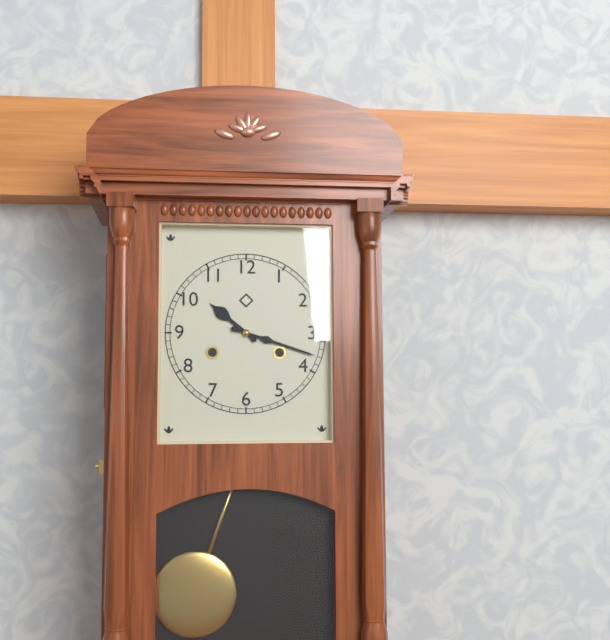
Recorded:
10,18
